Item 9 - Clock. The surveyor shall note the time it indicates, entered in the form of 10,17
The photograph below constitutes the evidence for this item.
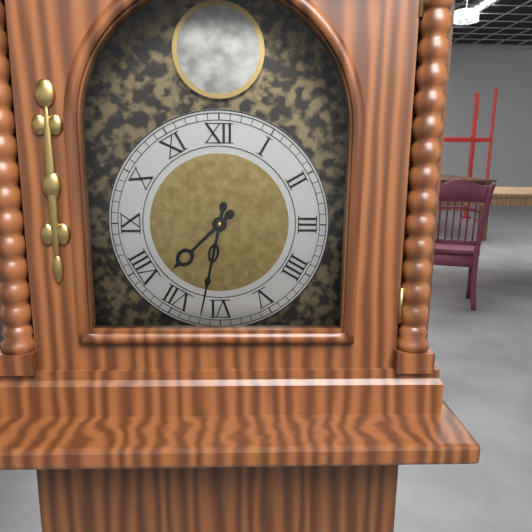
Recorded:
7,32
